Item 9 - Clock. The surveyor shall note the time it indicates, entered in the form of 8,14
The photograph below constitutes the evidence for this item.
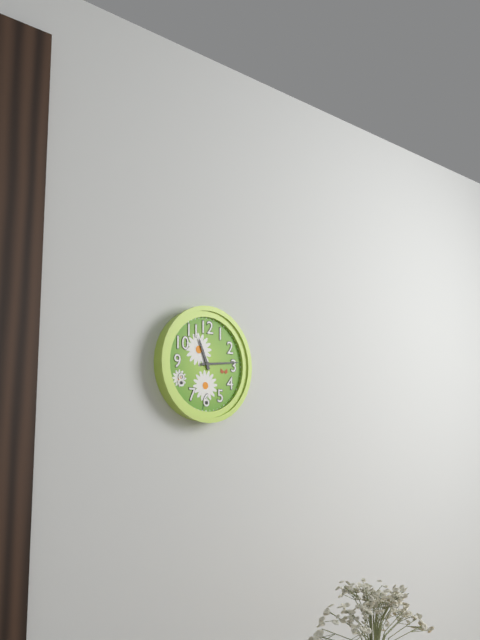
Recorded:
11,14
